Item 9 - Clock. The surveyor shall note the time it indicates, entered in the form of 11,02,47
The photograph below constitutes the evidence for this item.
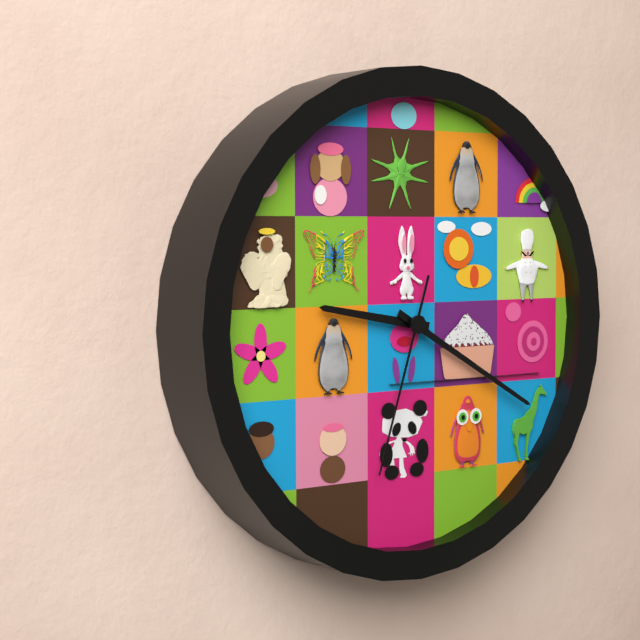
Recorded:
9,20,33
